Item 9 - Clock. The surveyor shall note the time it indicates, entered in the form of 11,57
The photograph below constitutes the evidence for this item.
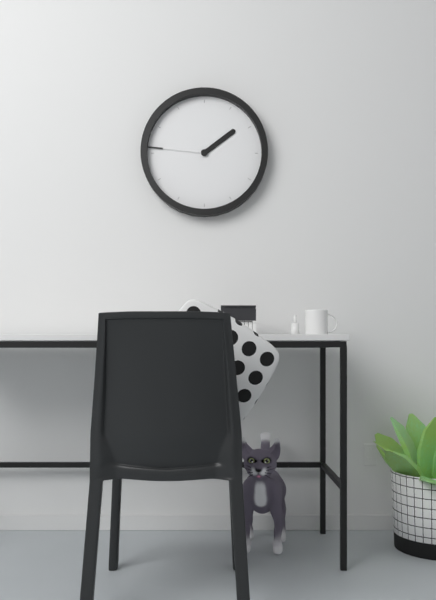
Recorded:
1,46
